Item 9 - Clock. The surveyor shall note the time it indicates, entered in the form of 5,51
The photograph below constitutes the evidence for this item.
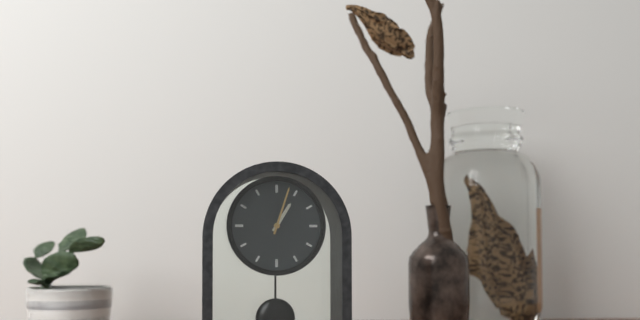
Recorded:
1,03
